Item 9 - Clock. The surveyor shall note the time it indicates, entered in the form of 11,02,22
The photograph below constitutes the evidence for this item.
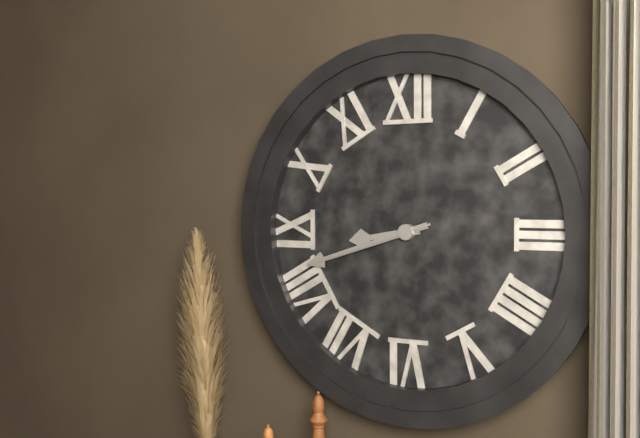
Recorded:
8,42,42
